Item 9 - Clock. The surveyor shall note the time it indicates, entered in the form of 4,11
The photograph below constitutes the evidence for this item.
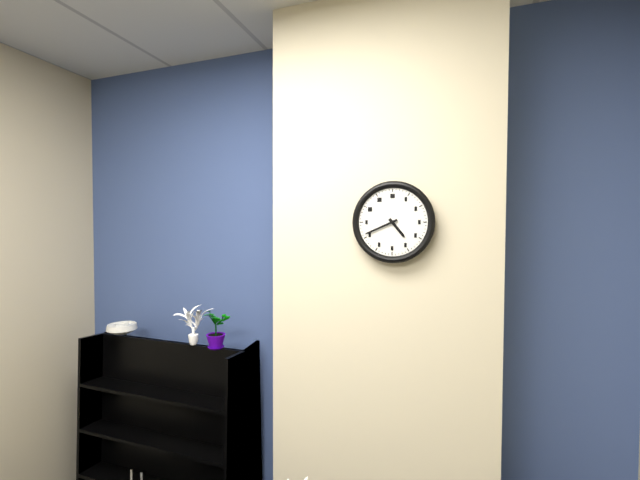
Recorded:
4,41
